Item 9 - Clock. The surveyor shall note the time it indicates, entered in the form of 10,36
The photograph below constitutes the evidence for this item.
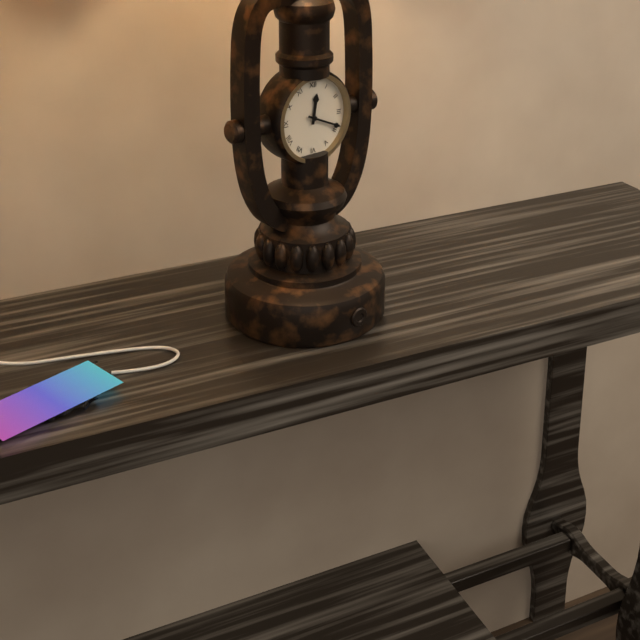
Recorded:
12,19
